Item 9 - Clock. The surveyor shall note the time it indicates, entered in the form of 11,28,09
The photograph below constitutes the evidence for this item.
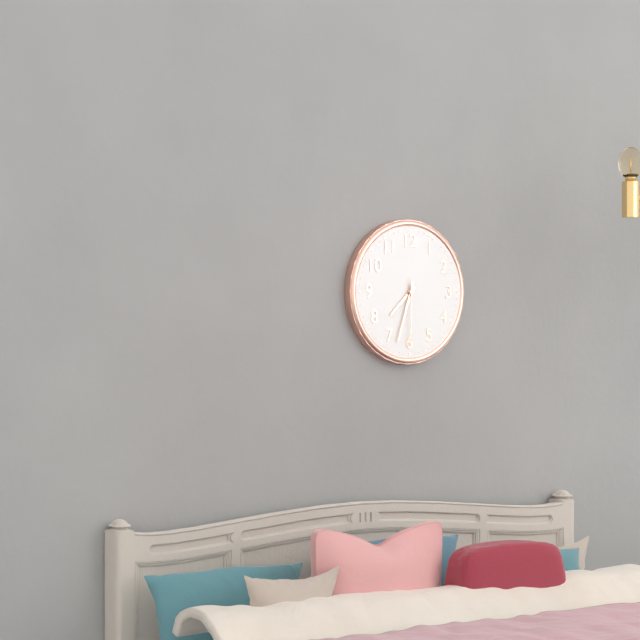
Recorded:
7,33,30
